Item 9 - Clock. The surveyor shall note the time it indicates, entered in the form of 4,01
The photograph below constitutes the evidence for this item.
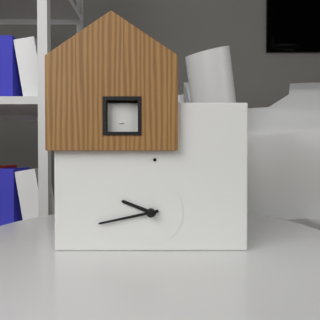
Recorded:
9,43
